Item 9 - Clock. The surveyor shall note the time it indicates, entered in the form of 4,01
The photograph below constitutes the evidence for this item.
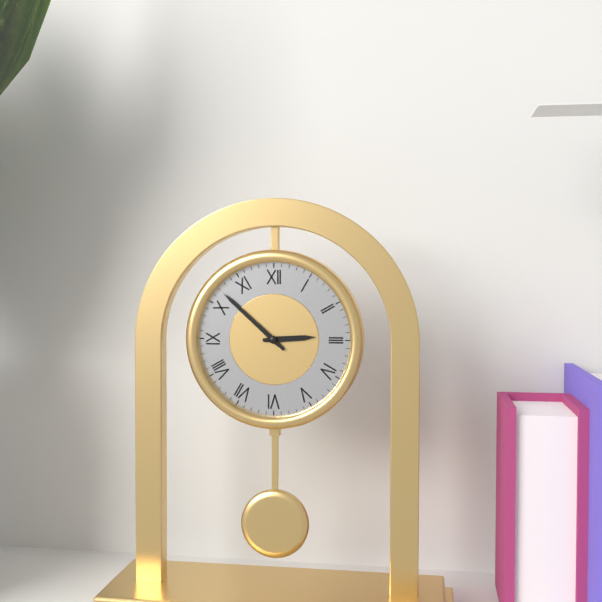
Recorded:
2,52
